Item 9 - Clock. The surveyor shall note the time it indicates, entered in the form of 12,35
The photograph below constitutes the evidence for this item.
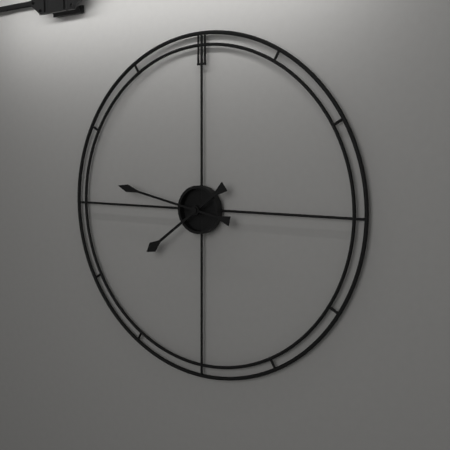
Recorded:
7,47
